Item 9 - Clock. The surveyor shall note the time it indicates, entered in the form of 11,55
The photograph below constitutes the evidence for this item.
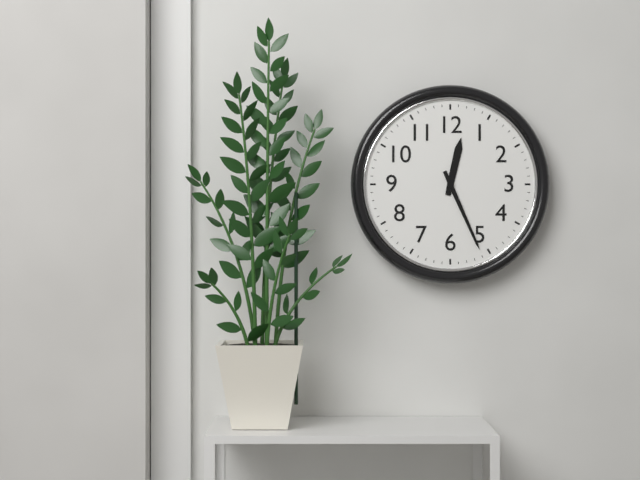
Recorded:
12,26
